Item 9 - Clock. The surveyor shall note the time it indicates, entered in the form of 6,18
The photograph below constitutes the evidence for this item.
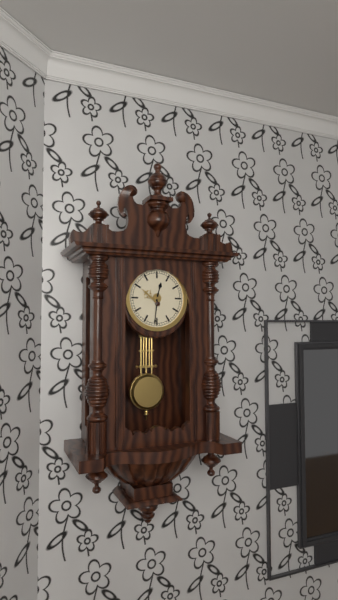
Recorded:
12,31
